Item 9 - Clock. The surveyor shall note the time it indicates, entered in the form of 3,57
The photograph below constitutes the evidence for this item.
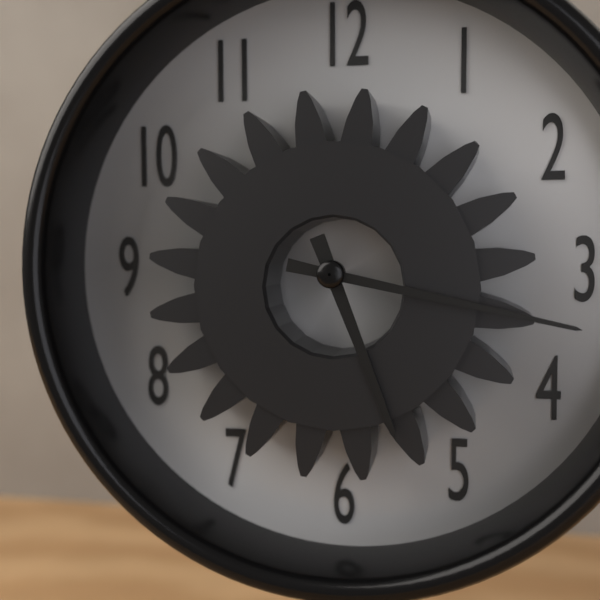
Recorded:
5,17
